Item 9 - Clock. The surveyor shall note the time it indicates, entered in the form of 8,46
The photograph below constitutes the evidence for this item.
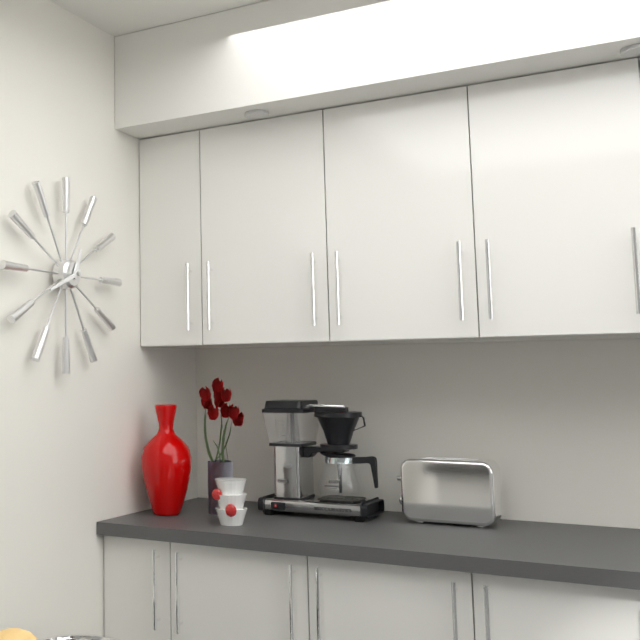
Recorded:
12,41
